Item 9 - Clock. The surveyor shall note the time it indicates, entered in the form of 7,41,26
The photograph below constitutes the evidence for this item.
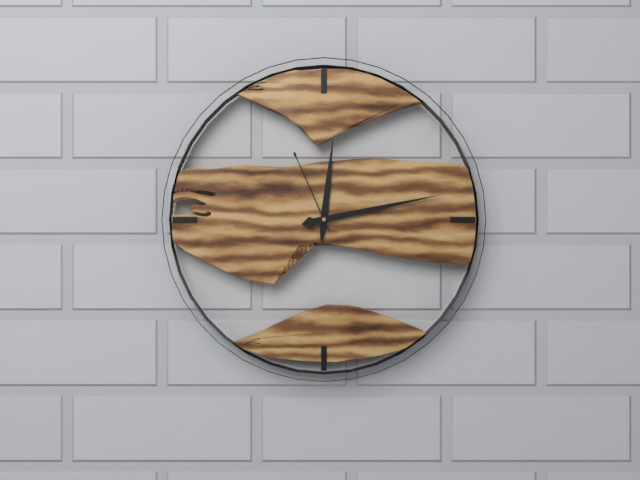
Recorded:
12,13,56
